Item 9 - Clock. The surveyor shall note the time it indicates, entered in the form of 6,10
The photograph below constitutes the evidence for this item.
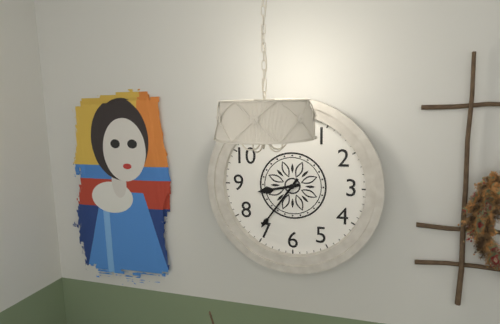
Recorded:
8,36
